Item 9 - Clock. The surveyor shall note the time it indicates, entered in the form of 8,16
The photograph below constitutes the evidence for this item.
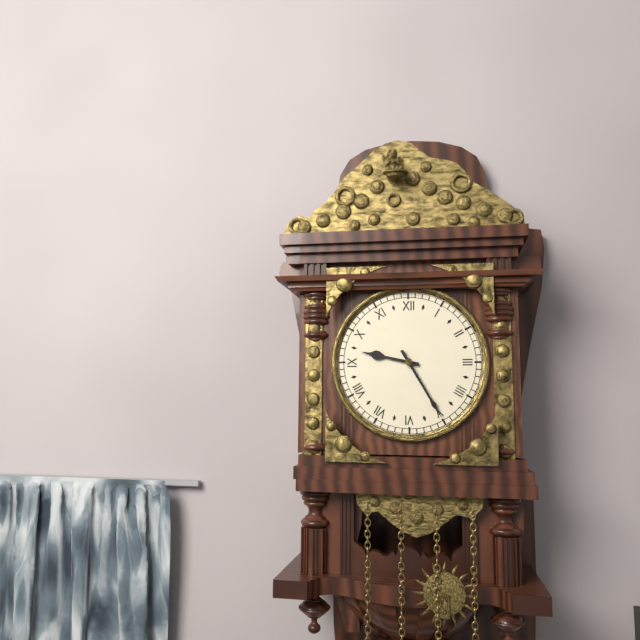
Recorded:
9,25
